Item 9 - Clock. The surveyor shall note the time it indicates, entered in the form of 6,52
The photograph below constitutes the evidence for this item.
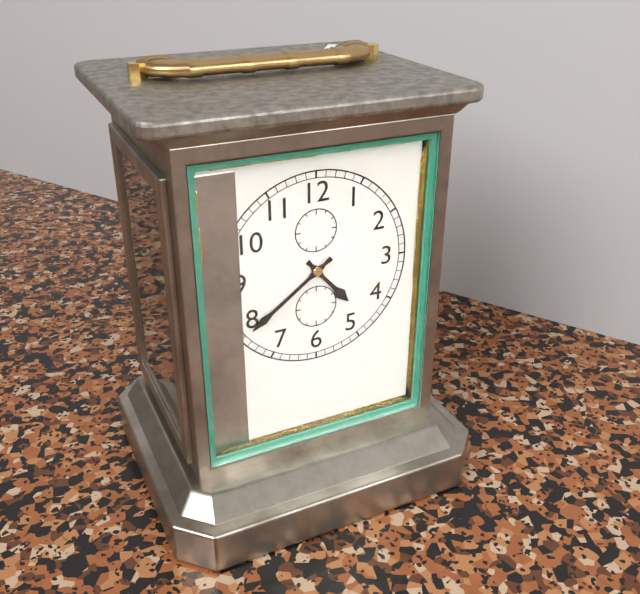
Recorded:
4,39
